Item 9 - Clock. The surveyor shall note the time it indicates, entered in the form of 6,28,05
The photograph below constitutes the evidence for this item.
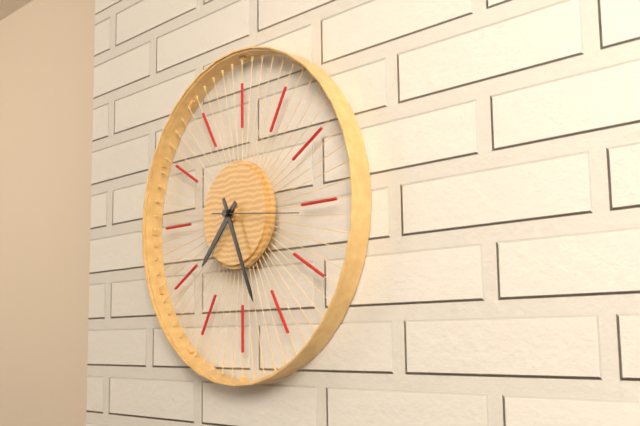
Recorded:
7,26,16
